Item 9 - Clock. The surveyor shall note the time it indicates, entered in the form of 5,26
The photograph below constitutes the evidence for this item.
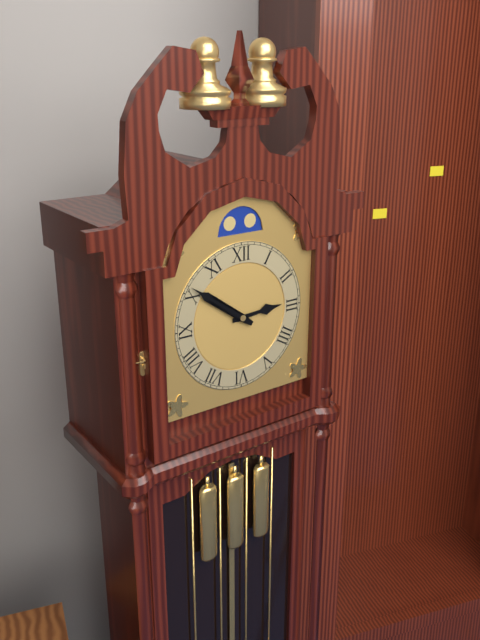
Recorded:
2,51
